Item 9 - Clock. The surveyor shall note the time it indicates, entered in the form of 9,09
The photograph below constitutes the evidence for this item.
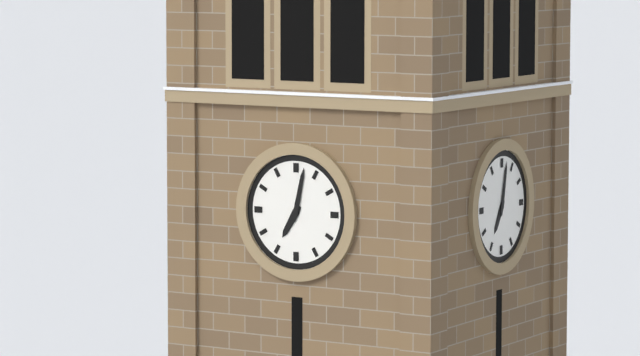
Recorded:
7,02
